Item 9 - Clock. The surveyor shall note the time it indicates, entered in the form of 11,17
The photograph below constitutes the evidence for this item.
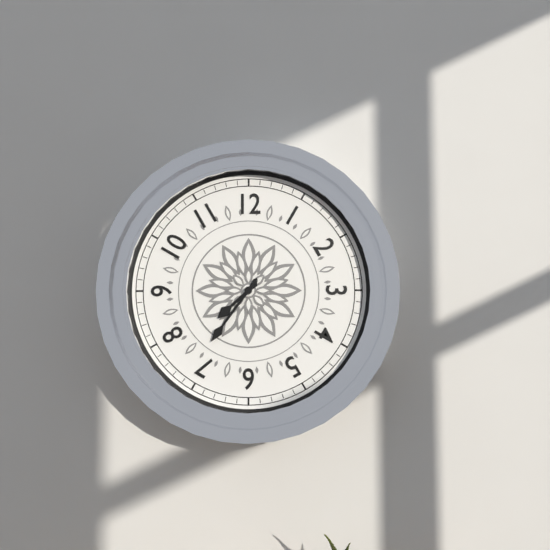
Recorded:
7,36
